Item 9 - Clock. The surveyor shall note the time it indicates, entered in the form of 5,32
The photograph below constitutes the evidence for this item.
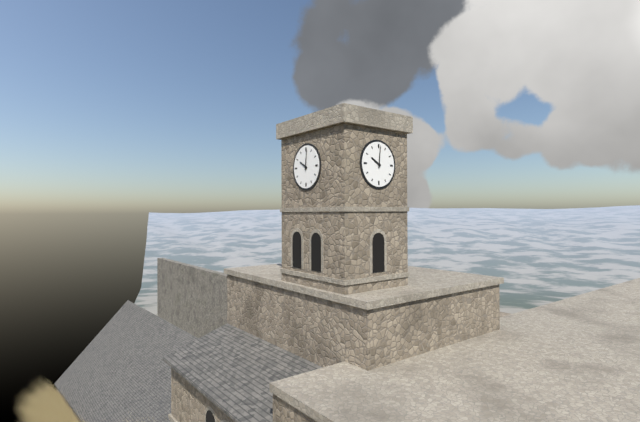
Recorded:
10,01
